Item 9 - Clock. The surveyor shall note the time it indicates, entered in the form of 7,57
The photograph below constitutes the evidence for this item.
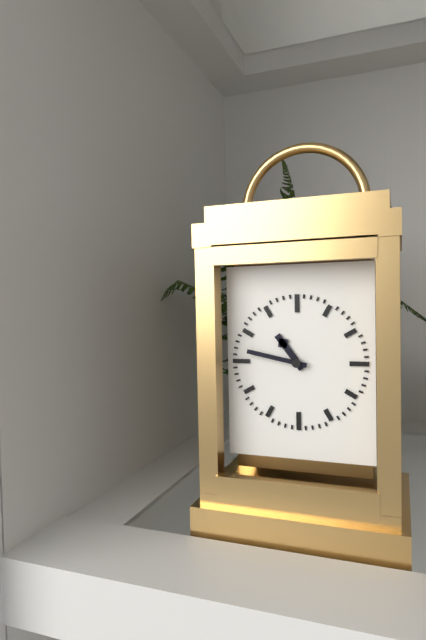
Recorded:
10,47
